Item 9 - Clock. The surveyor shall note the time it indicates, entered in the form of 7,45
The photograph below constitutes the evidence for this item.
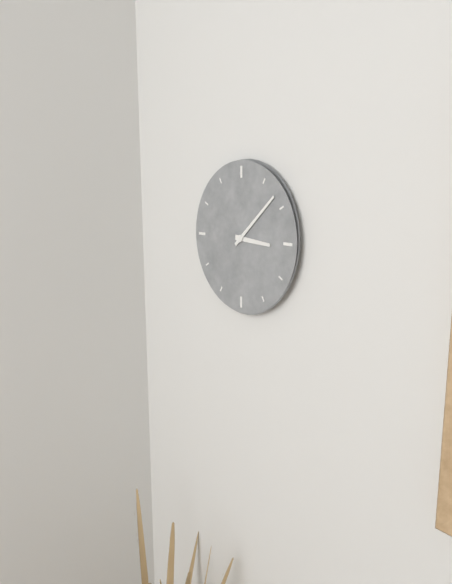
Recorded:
3,08
